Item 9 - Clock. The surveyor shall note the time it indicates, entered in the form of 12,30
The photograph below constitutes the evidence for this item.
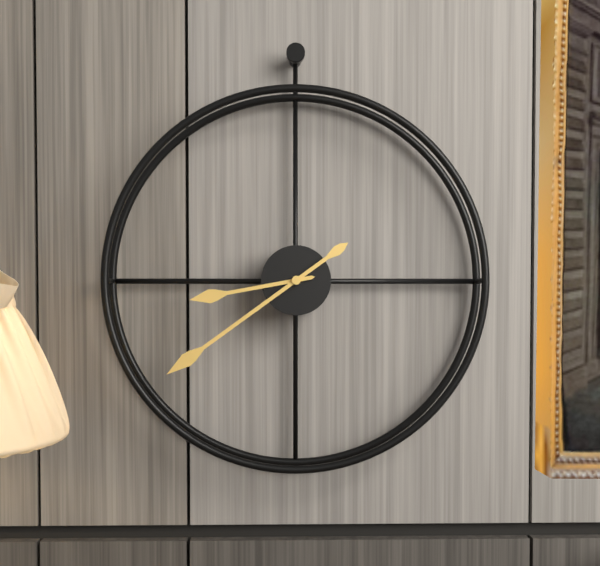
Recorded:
8,39
